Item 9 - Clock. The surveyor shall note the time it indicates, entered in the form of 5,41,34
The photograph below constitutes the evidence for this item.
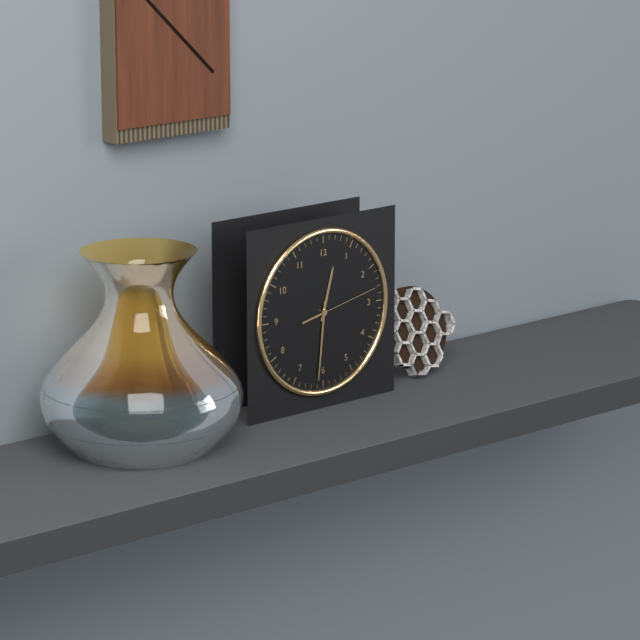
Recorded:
12,31,13
